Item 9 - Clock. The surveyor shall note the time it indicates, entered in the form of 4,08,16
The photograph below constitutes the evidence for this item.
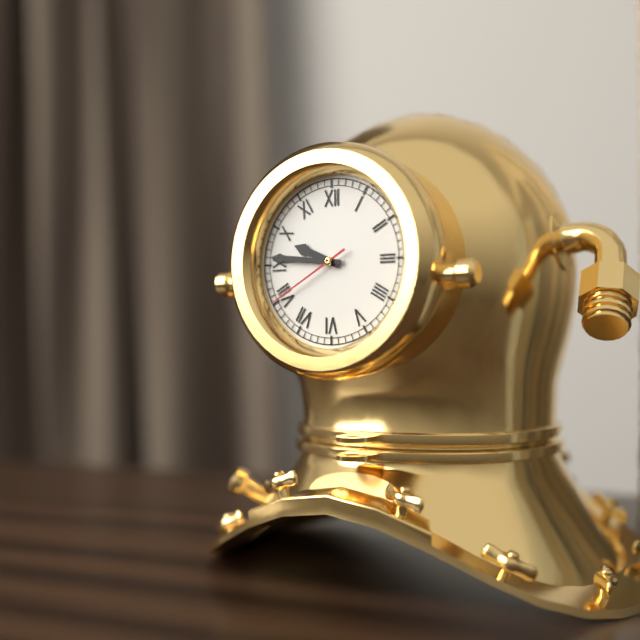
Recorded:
9,46,40
